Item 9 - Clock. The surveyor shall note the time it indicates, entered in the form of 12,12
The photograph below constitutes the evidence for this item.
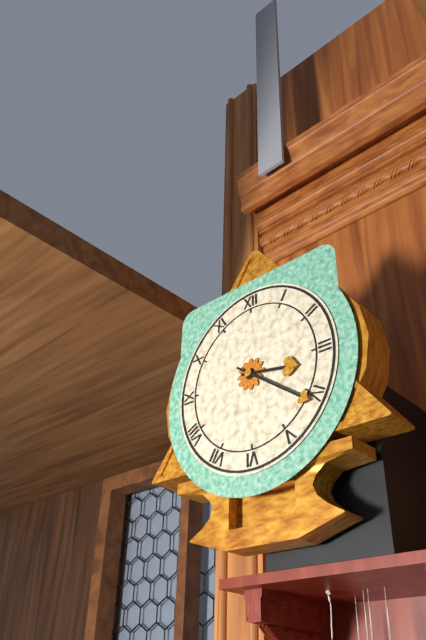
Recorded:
3,21
